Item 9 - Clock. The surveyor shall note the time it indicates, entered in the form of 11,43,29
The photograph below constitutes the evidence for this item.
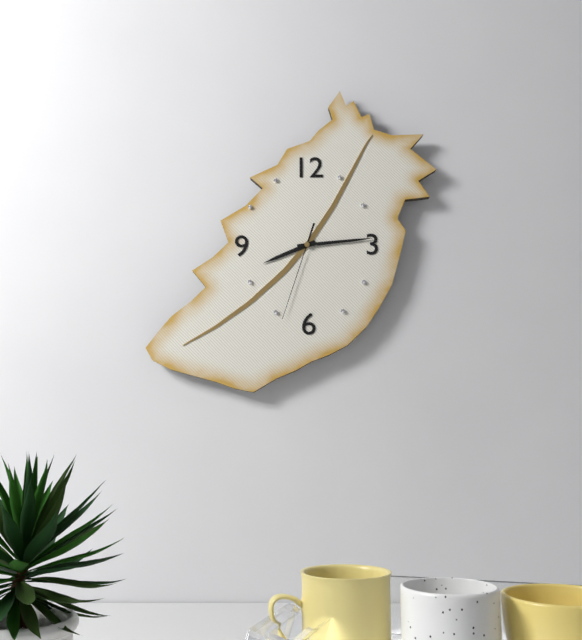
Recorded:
8,14,33
